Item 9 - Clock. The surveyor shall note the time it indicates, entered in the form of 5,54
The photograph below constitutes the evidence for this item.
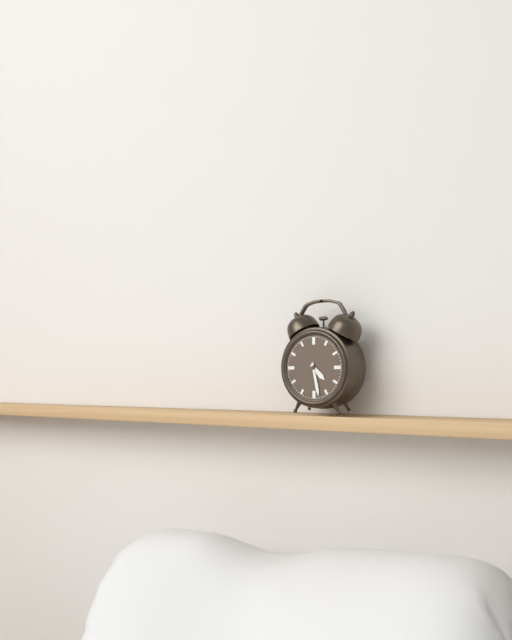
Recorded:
4,28
